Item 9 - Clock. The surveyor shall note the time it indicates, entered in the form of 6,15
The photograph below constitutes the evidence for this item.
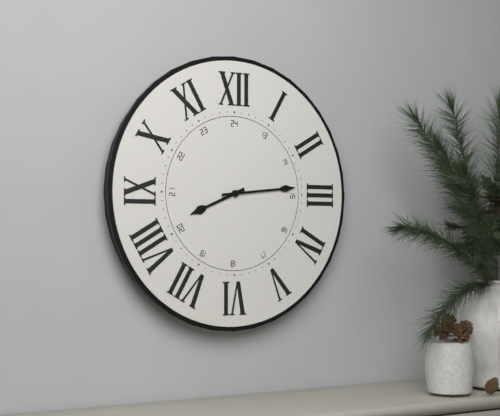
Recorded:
8,14
